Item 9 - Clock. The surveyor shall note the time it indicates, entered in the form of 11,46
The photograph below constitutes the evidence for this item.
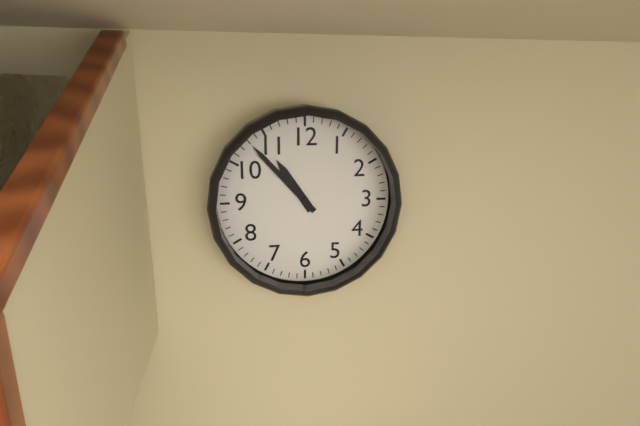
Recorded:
10,53
